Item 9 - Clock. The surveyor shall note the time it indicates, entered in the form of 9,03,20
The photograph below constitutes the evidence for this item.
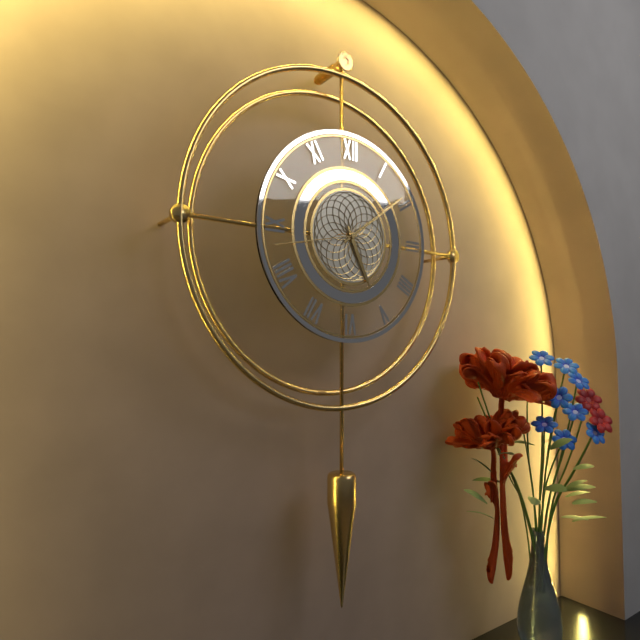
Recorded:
5,09,43
